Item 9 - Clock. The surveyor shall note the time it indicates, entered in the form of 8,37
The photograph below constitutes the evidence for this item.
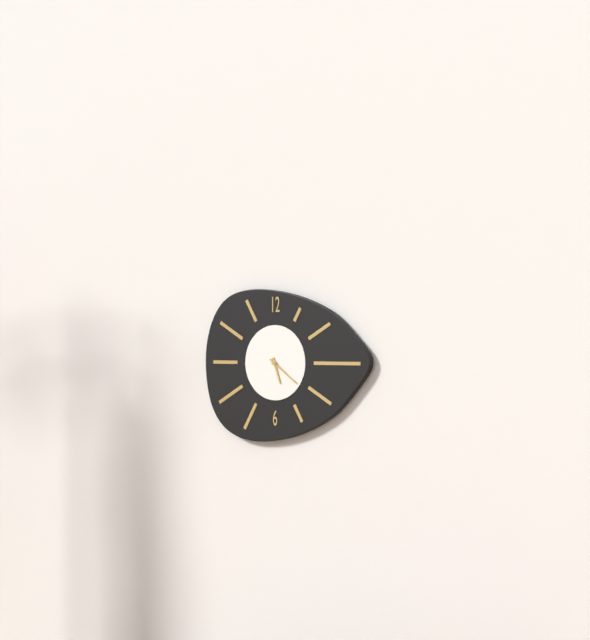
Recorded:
5,21
